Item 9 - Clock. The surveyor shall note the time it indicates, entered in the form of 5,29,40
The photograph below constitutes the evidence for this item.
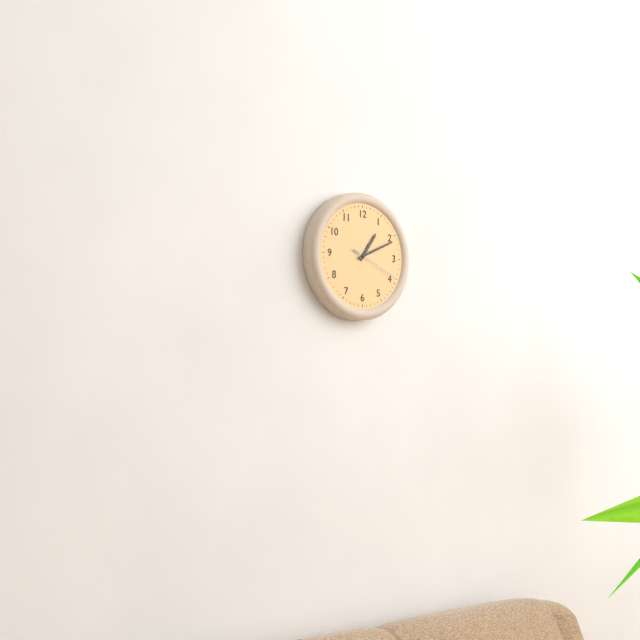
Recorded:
1,11,19
